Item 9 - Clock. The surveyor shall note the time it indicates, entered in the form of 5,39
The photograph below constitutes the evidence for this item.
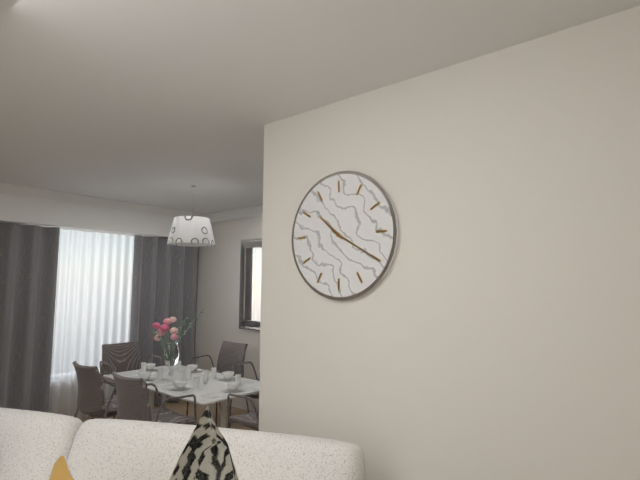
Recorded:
10,20
